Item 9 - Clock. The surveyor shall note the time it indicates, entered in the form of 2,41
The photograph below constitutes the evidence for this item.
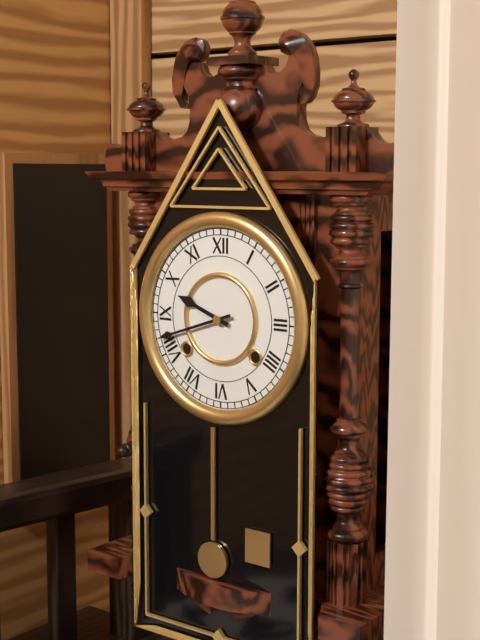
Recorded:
9,42
